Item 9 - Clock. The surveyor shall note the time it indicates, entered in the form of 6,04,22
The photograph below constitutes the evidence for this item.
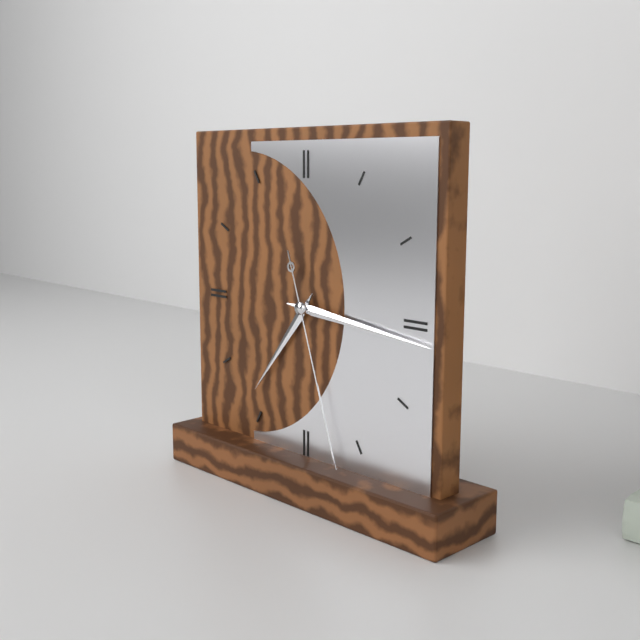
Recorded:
7,16,27
